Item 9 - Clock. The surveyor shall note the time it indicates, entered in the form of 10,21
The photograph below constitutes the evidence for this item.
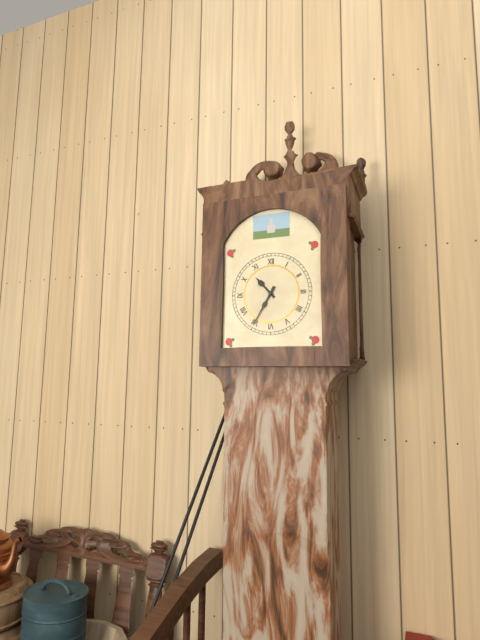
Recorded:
10,35
